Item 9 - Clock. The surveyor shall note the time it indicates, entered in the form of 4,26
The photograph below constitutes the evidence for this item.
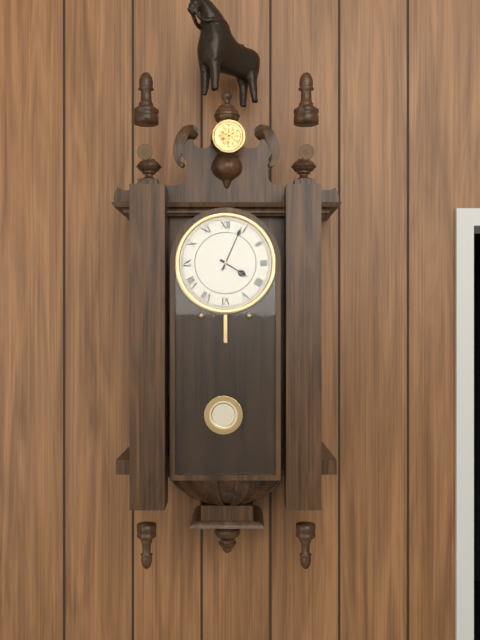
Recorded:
4,04
